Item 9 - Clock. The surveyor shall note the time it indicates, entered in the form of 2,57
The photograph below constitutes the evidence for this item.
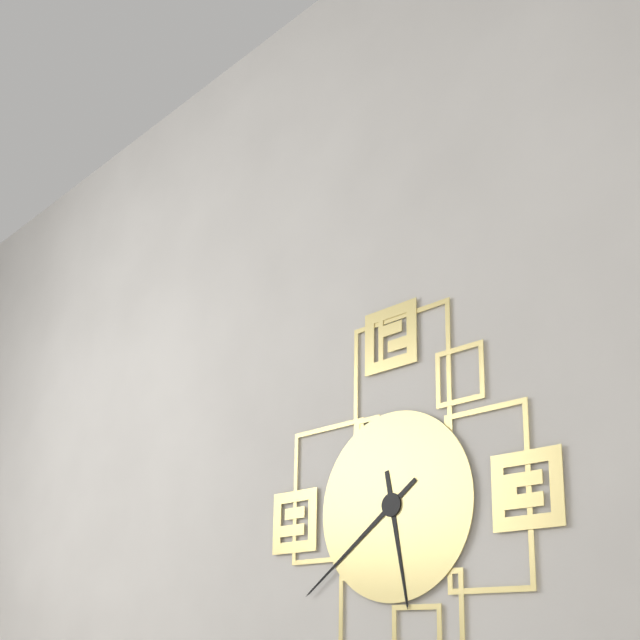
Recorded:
5,39
